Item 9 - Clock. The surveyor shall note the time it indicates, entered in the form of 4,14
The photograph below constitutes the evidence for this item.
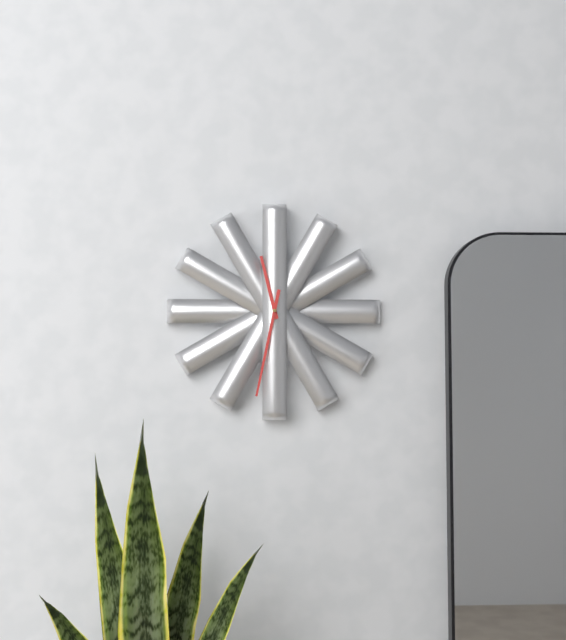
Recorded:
11,32
